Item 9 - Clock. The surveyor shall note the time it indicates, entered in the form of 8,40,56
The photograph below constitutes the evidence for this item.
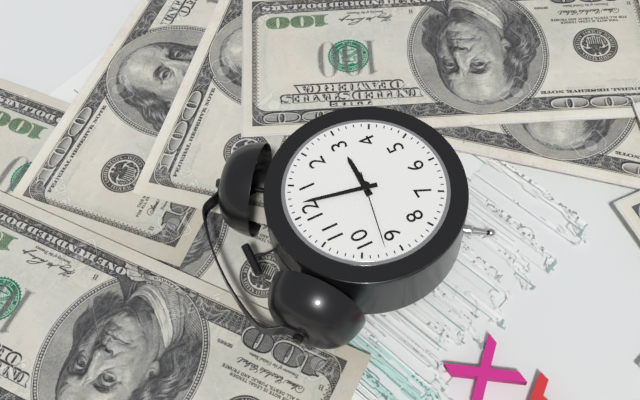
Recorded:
3,02,47
